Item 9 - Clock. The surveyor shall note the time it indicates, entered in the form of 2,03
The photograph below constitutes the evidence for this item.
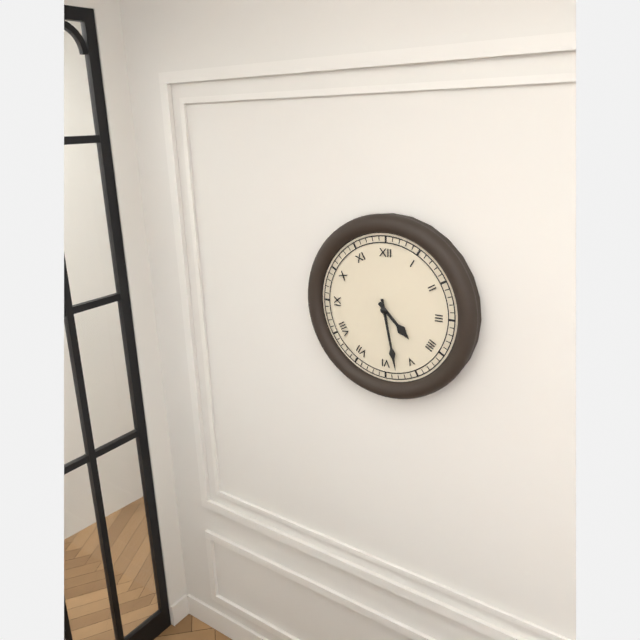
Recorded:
4,28
